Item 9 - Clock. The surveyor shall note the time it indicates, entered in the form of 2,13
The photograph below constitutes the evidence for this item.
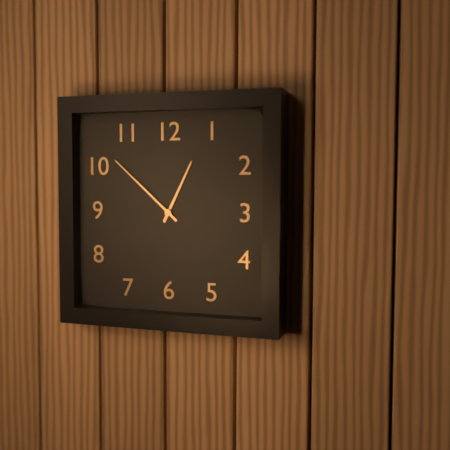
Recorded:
12,52
